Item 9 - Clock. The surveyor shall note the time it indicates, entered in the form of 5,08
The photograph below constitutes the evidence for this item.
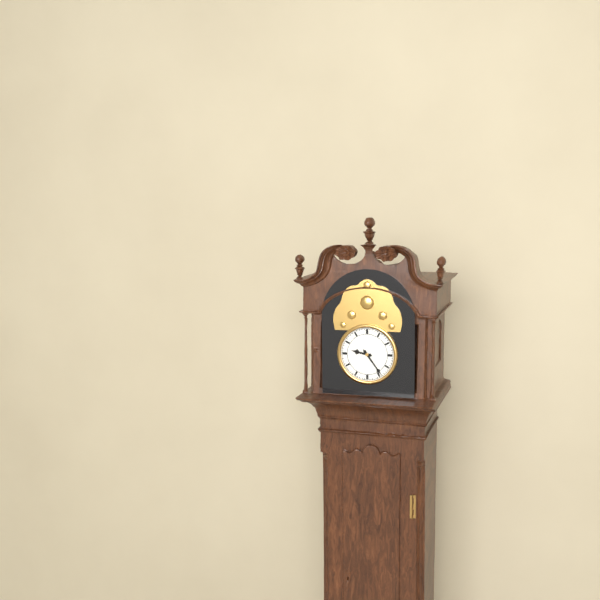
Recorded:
9,24
